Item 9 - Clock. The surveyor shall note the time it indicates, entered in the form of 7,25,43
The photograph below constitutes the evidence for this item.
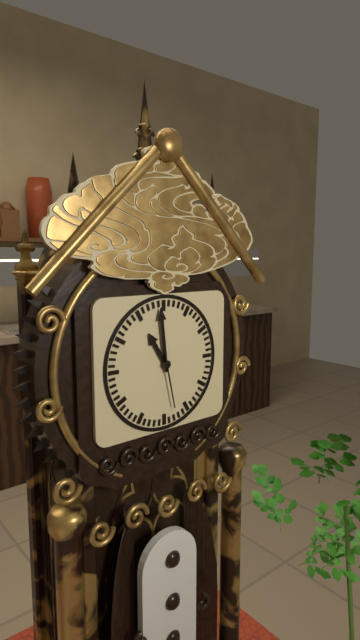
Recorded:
10,59,28
